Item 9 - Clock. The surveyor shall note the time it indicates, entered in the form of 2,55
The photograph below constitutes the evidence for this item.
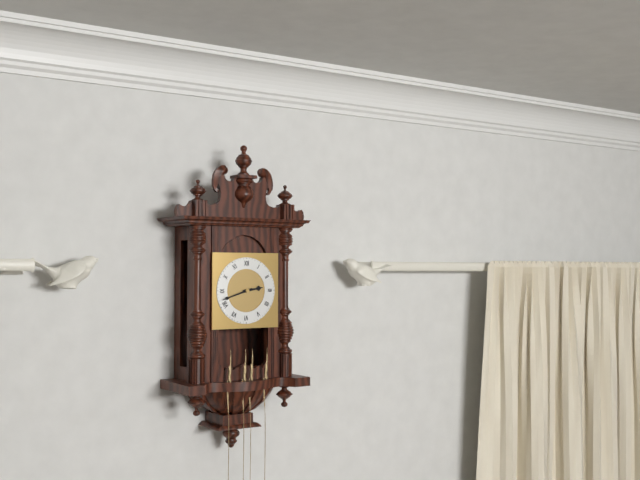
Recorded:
2,42
